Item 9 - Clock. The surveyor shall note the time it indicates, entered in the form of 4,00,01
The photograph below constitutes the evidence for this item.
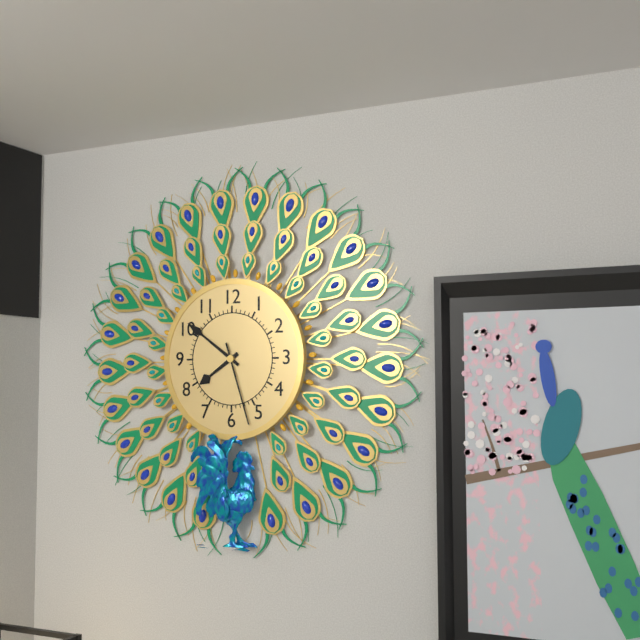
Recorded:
7,51,27
